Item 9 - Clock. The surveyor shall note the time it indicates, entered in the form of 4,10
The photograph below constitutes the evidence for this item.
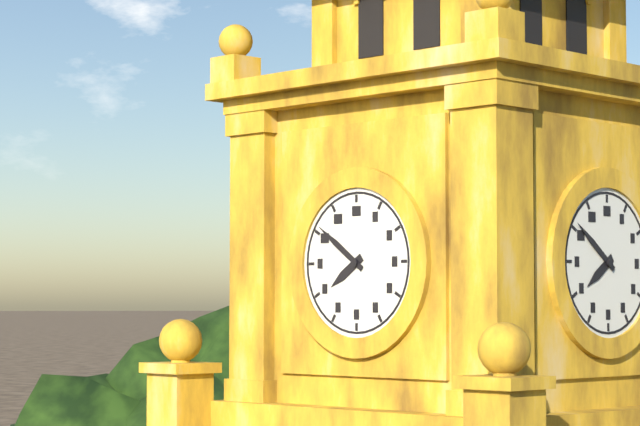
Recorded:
7,51
